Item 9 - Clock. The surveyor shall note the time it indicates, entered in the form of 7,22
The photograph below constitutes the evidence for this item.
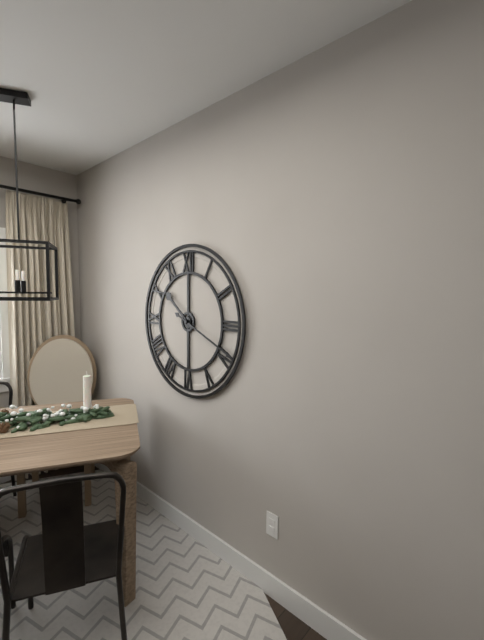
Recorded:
10,19
